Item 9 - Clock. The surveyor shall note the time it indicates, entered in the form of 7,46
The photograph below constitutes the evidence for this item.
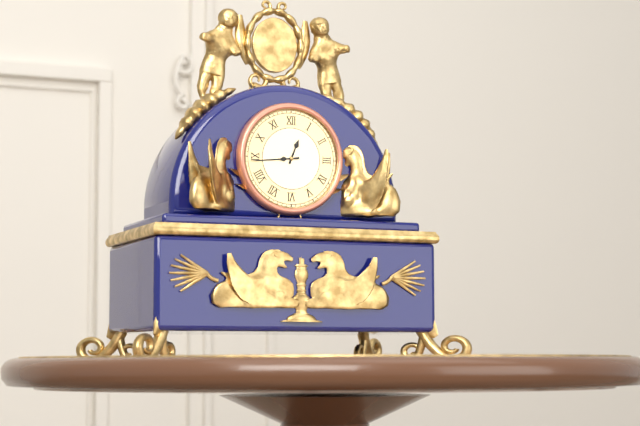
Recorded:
12,44
